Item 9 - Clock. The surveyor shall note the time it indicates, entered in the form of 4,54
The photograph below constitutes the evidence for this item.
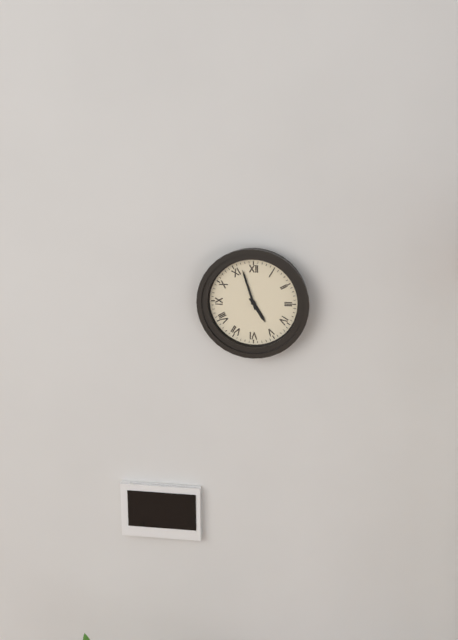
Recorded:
4,57
